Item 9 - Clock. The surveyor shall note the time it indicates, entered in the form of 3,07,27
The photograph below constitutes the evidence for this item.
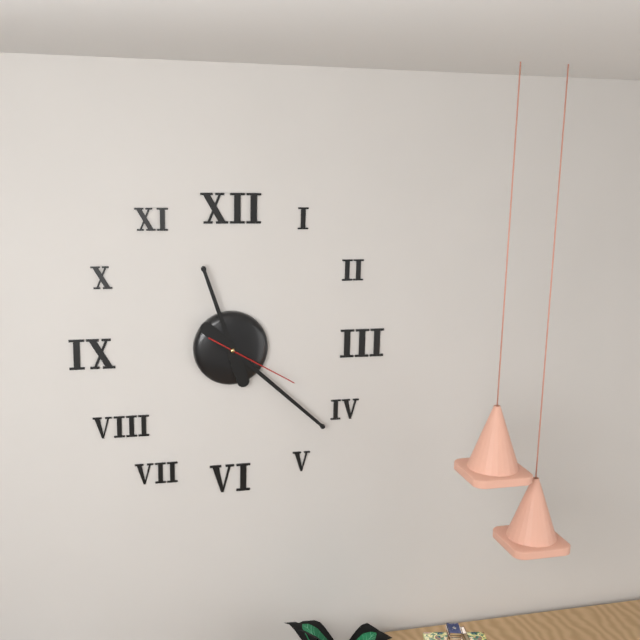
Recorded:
11,22,20
